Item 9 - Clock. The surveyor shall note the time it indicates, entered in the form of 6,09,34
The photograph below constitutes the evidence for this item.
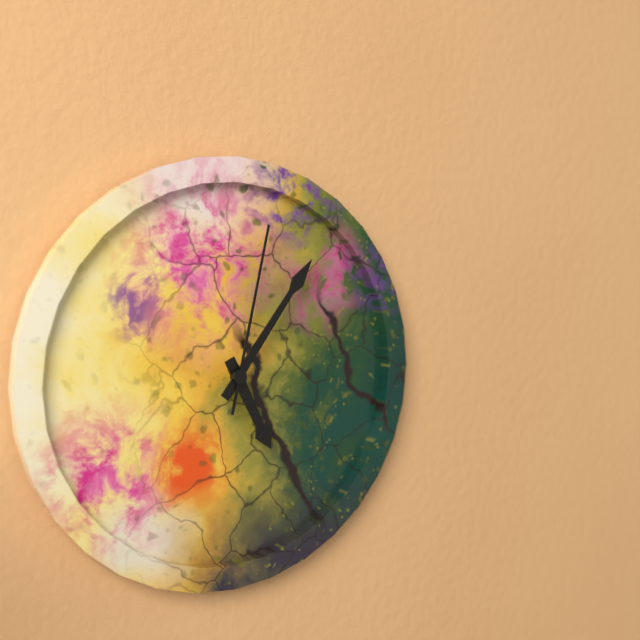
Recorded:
5,06,02
